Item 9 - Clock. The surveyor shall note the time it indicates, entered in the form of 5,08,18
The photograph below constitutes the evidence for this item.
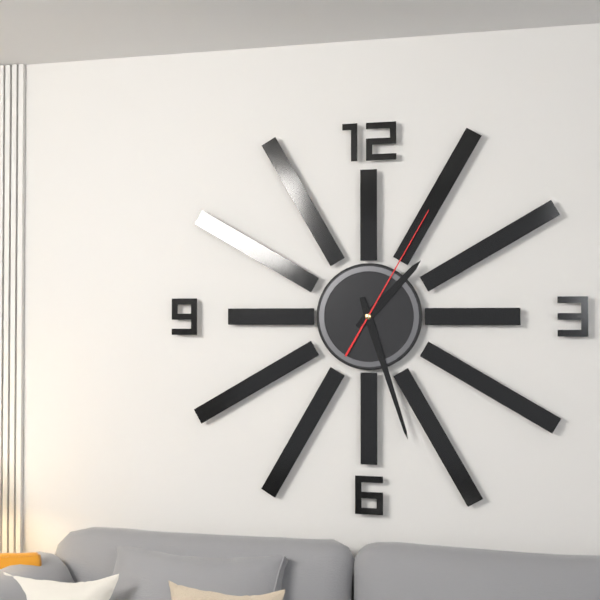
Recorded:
1,27,05
